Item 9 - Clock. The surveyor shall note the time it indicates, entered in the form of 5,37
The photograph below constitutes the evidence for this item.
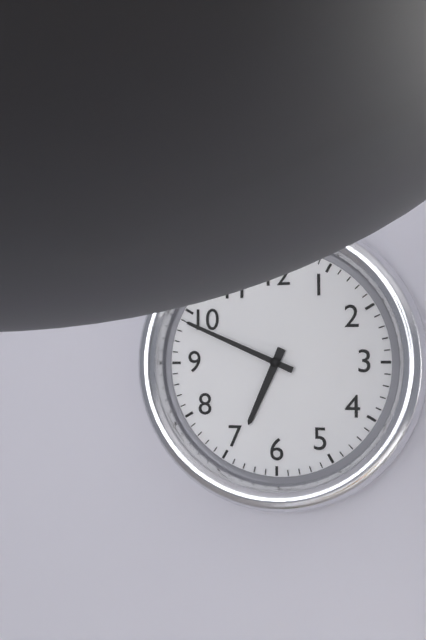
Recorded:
6,49
